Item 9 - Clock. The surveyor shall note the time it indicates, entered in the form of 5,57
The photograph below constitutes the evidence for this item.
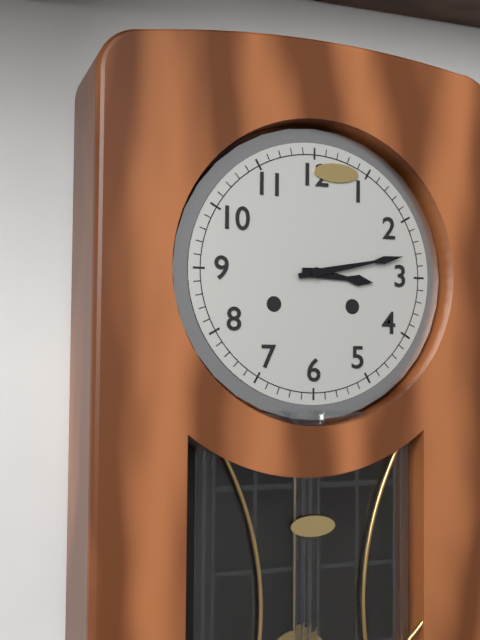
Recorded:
3,13
